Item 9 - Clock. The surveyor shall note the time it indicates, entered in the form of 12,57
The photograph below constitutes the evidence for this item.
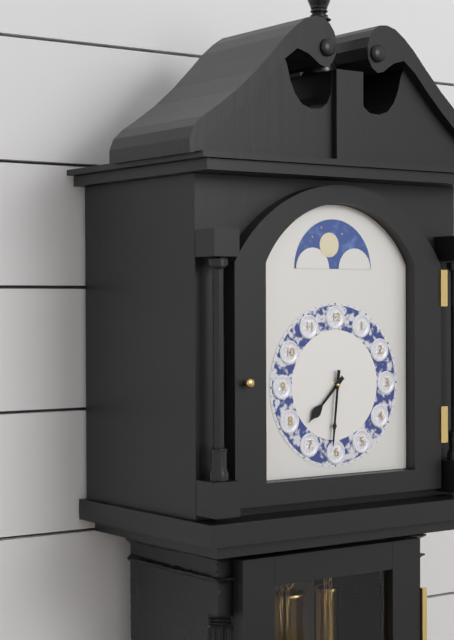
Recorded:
7,31
